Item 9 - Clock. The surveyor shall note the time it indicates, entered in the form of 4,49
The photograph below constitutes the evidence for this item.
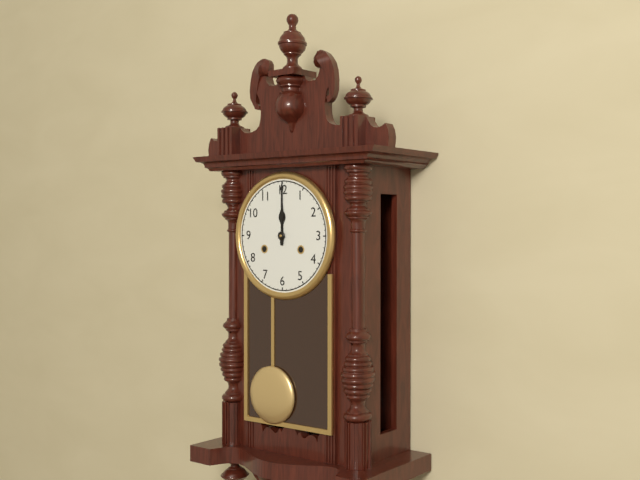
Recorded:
12,00
